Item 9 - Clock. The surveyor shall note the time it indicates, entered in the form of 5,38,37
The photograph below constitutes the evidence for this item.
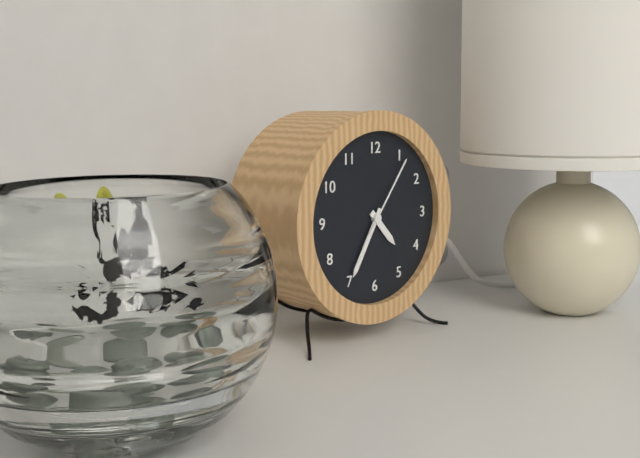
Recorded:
4,35,06
